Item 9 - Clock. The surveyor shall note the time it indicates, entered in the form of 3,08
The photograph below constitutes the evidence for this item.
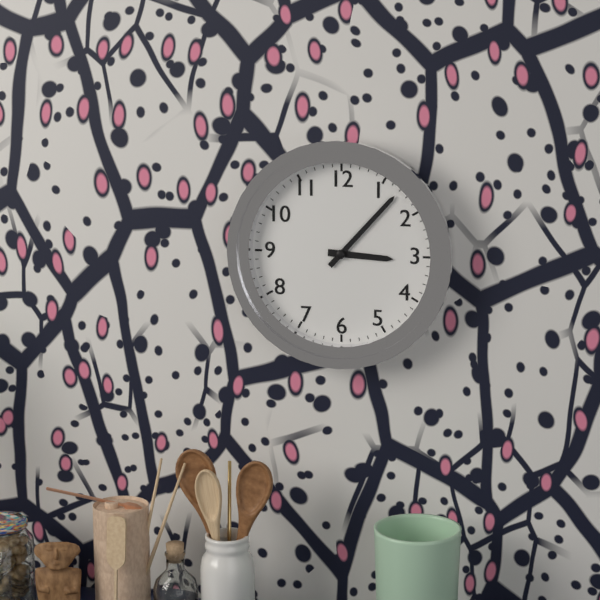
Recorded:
3,07
